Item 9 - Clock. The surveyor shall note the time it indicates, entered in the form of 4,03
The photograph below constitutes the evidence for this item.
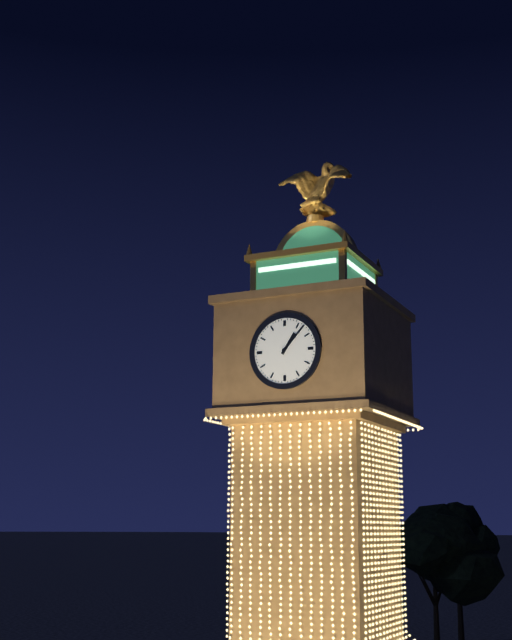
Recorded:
1,07
